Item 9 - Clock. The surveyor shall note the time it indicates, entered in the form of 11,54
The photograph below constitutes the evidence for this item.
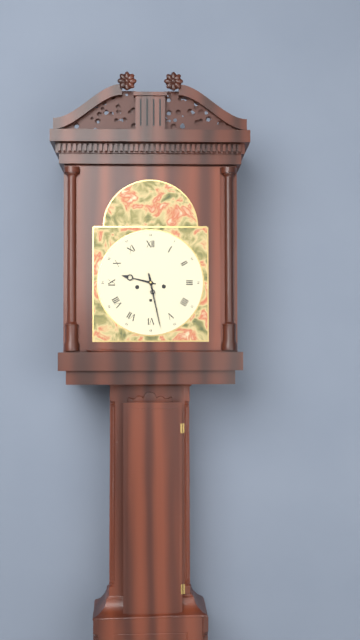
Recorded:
9,28
